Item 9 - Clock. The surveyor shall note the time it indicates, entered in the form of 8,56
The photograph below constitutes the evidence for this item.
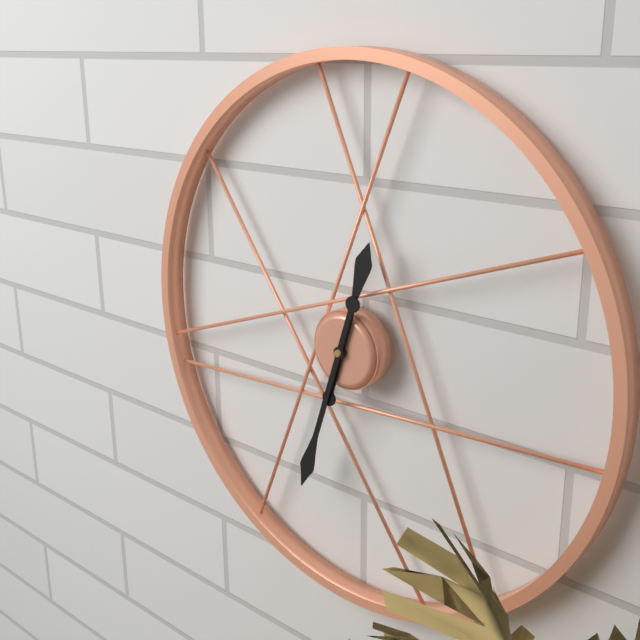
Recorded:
12,33
